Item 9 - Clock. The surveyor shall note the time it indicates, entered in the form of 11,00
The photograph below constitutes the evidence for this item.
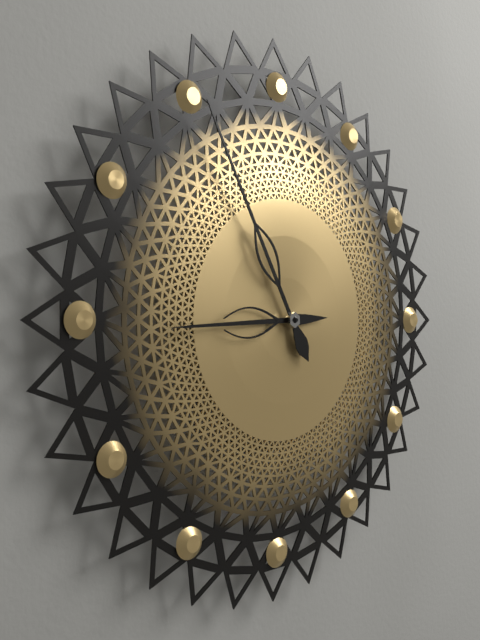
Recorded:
8,55
